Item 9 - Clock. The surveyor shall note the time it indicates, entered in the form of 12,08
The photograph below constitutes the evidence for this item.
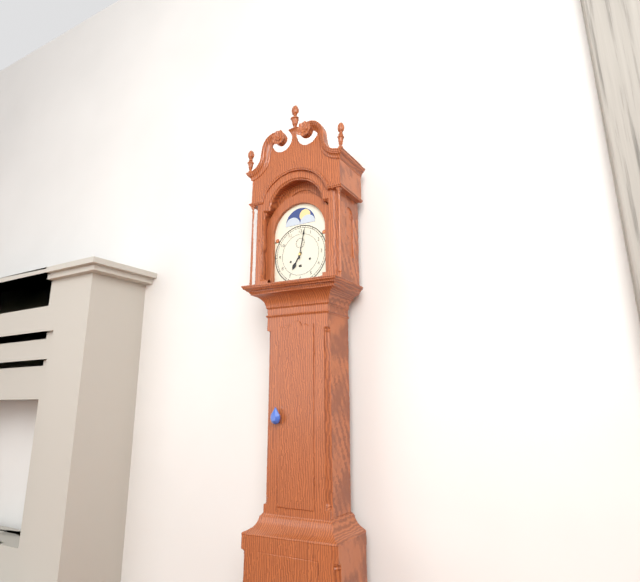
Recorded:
7,02
